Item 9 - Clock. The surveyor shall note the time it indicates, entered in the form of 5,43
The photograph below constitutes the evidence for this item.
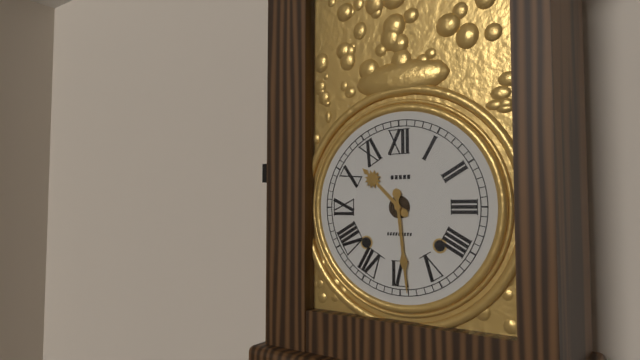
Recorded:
10,29
